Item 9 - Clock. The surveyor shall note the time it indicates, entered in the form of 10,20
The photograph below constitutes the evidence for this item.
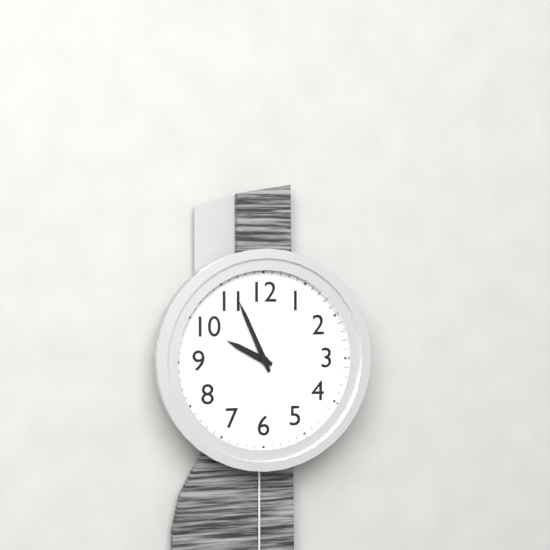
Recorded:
9,56
